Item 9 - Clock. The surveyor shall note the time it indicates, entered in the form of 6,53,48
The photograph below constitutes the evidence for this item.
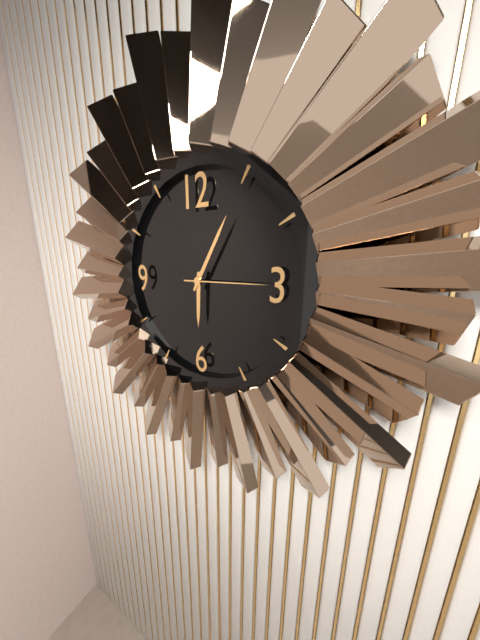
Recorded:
6,05,15
